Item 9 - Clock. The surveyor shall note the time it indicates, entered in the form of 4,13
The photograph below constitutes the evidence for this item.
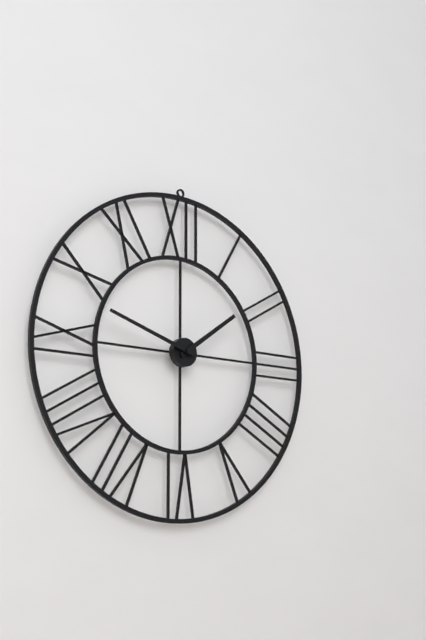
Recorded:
1,48
